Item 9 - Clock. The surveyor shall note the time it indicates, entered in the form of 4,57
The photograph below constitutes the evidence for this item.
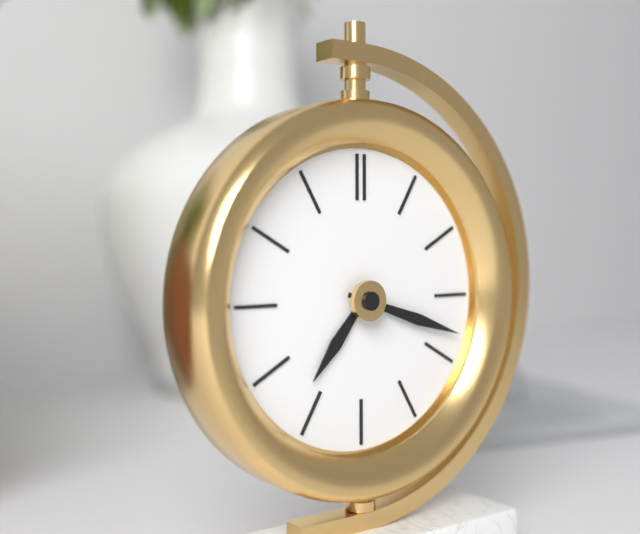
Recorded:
7,18
